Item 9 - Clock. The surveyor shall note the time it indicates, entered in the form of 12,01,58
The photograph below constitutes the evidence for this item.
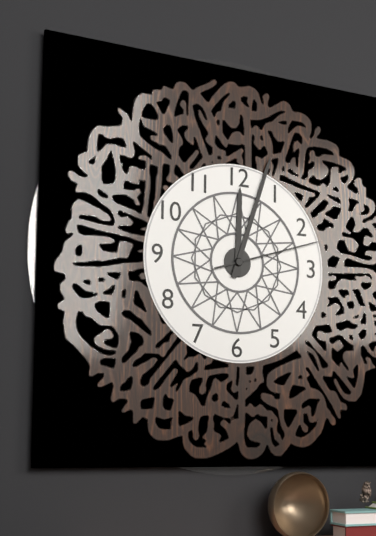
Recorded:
12,03,12
